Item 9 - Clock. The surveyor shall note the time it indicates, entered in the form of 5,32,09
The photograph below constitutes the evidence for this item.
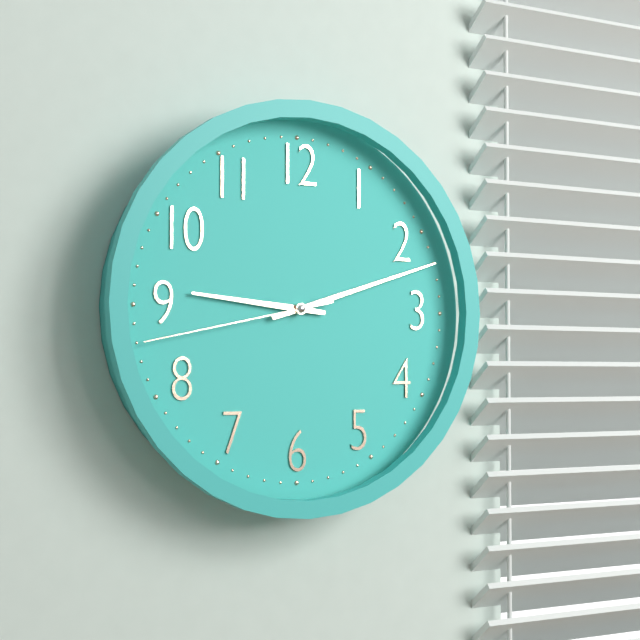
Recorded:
9,12,43
